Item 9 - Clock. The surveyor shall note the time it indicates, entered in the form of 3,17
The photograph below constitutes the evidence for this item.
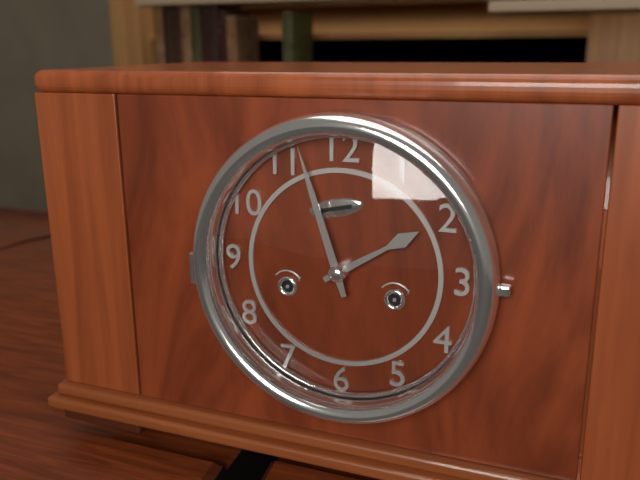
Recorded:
1,57
